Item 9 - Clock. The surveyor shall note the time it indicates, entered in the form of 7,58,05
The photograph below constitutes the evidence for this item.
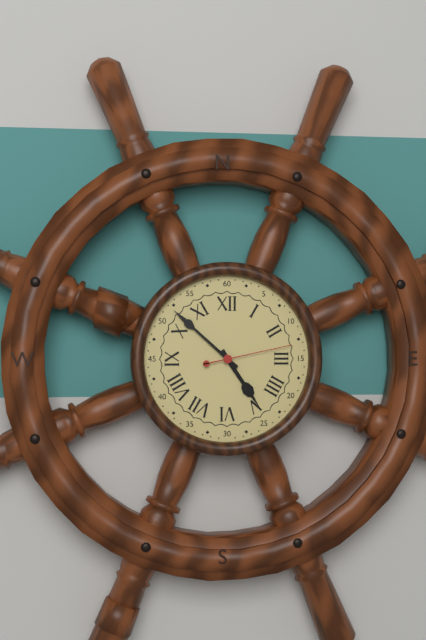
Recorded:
4,52,13
